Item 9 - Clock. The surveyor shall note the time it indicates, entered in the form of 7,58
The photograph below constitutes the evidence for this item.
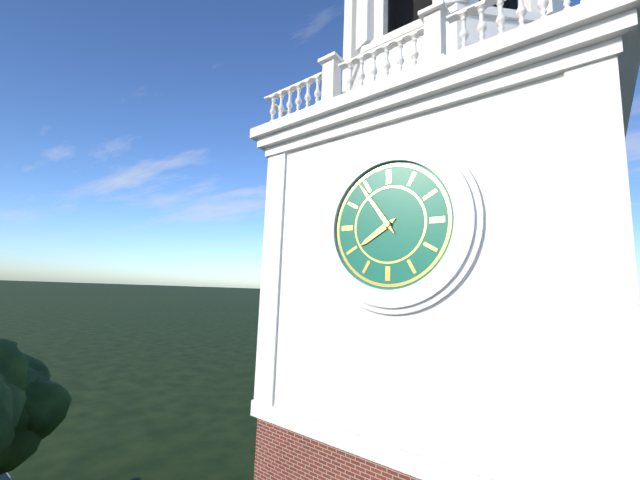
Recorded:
7,54
